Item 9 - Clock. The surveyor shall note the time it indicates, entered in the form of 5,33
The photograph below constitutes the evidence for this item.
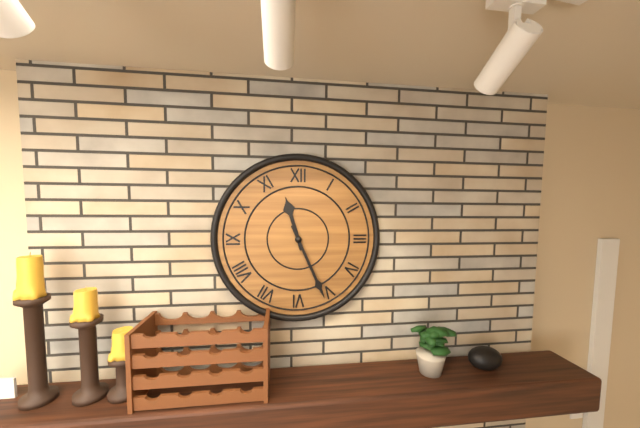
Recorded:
11,26
